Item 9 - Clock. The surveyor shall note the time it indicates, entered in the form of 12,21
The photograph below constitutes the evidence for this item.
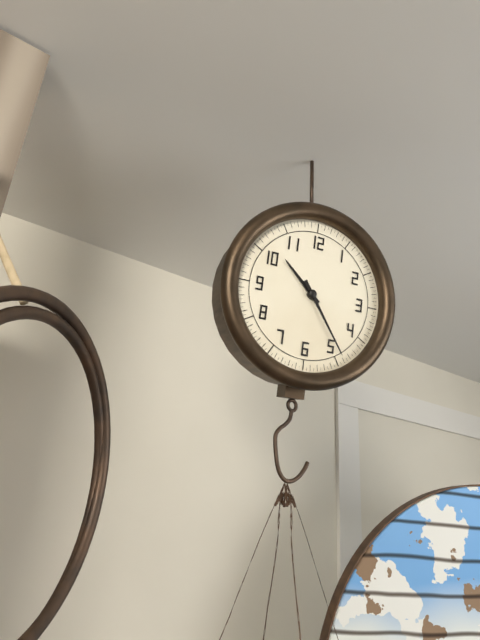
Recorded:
10,24
